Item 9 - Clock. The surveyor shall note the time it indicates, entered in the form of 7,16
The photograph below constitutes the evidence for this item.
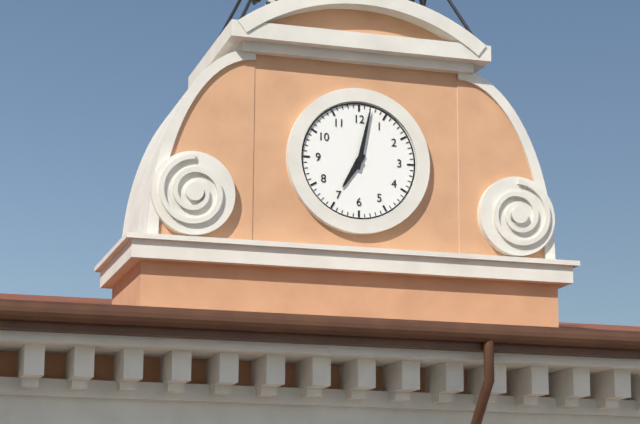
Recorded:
7,02
